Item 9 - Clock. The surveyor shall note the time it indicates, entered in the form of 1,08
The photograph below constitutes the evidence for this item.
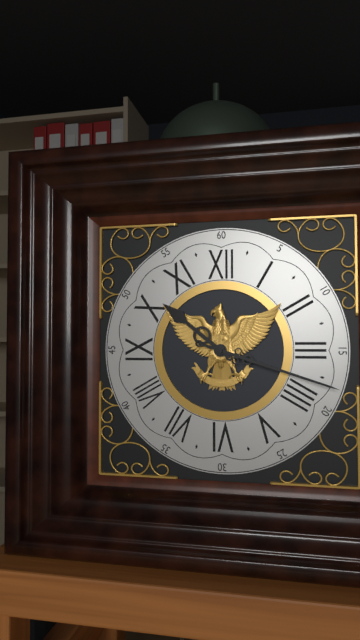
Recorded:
10,18
